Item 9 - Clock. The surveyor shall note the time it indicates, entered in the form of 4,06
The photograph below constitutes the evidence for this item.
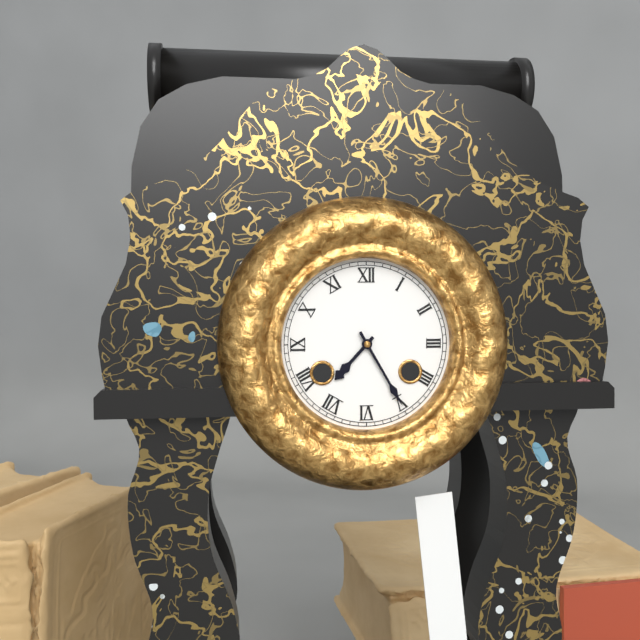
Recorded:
7,25
